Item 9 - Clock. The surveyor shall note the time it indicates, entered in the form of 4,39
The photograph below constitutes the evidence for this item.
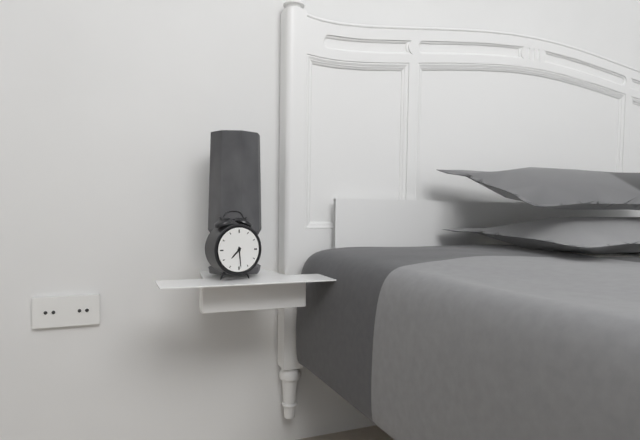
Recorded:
7,29
